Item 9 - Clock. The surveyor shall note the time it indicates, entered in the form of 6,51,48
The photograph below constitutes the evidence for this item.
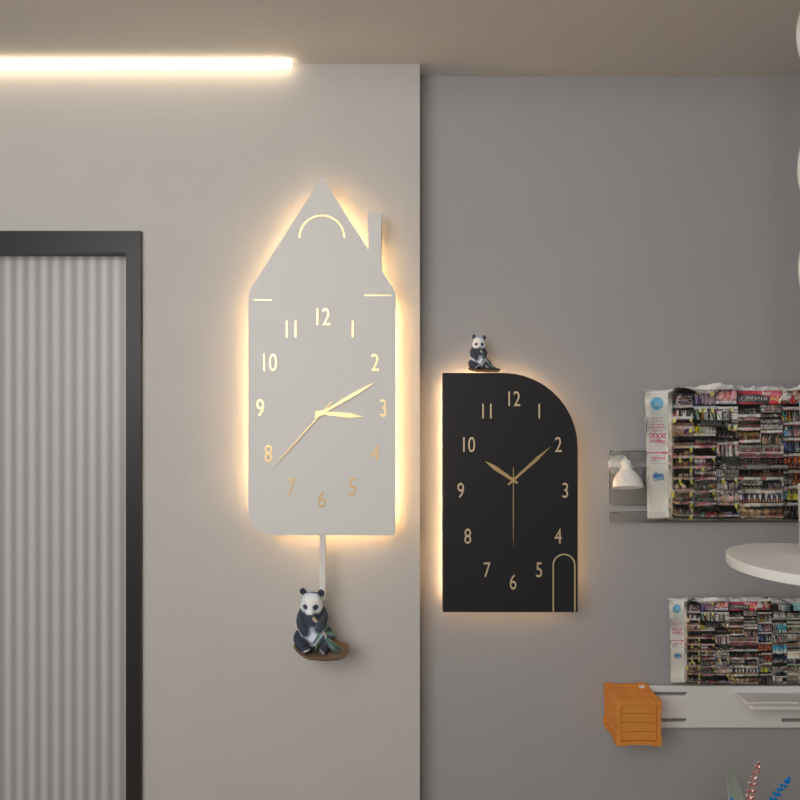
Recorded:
3,10,37
